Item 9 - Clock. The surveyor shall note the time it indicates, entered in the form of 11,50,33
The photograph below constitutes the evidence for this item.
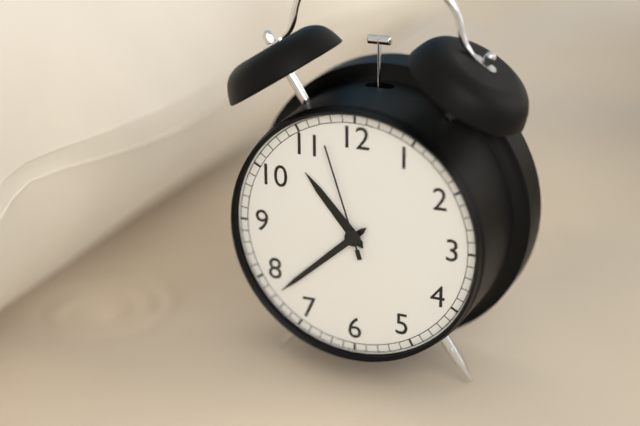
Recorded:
10,38,57
